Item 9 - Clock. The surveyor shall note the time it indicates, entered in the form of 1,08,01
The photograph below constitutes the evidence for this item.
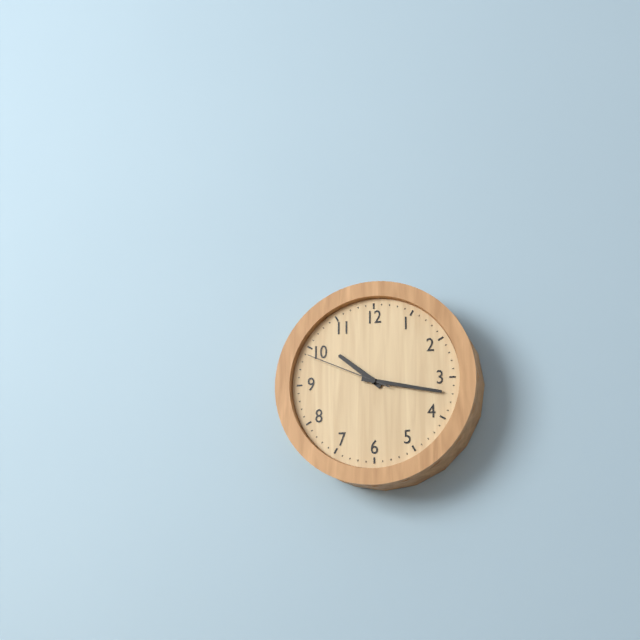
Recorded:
10,17,49
